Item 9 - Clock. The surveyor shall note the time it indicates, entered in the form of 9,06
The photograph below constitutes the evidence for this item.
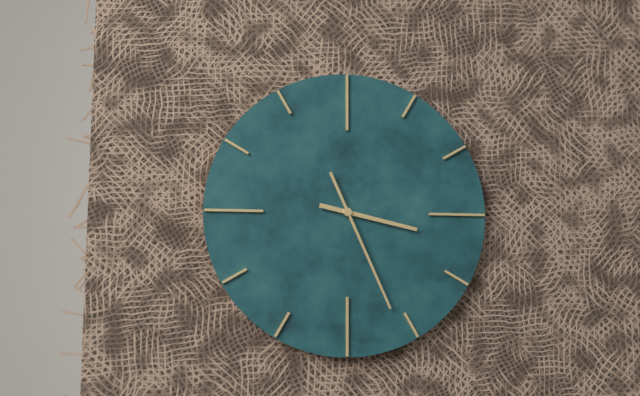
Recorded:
3,26
